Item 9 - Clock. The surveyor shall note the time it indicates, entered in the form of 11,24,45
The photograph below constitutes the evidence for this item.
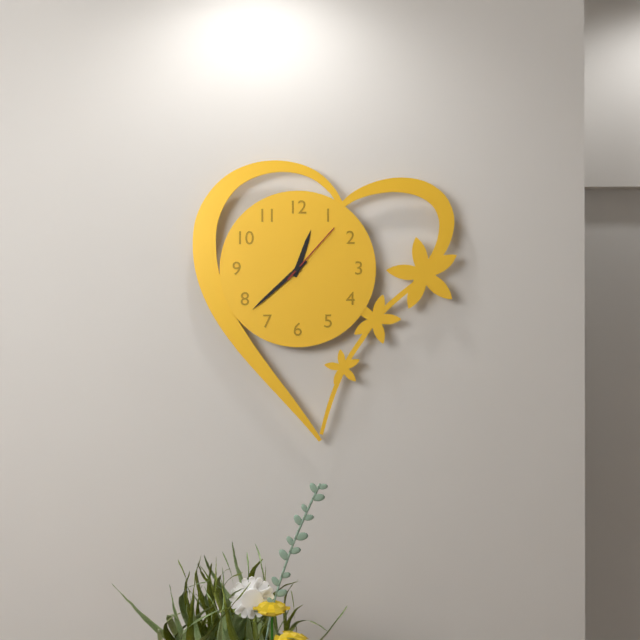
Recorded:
12,38,07
